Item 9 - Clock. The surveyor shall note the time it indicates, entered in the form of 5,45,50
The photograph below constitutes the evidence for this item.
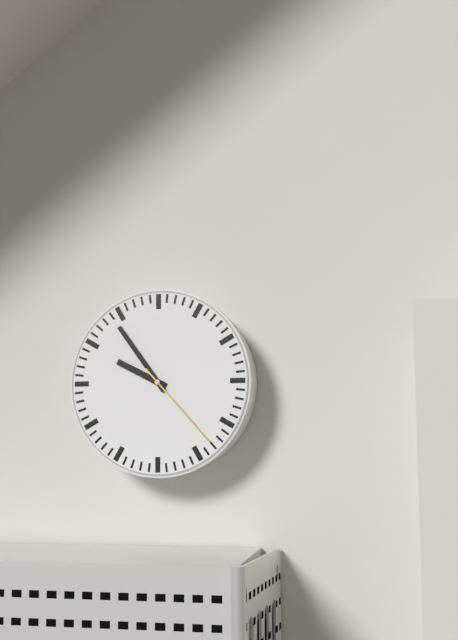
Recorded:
9,54,23
